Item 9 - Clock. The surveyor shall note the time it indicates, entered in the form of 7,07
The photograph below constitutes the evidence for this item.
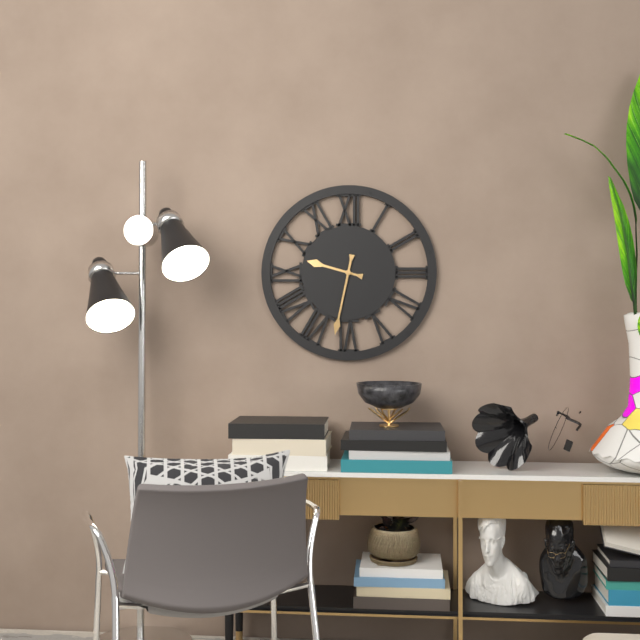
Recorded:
9,32
